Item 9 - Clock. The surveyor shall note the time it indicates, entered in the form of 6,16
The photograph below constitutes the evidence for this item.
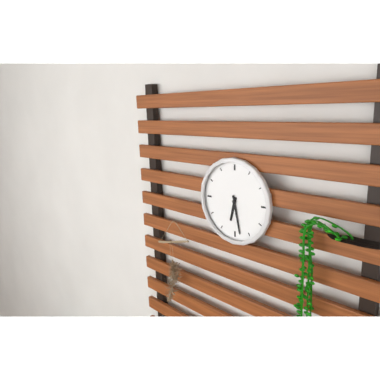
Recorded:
6,28
